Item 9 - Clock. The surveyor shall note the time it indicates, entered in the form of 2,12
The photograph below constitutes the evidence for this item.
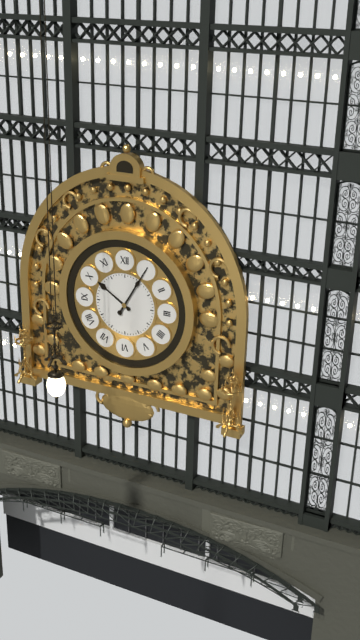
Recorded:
10,05
